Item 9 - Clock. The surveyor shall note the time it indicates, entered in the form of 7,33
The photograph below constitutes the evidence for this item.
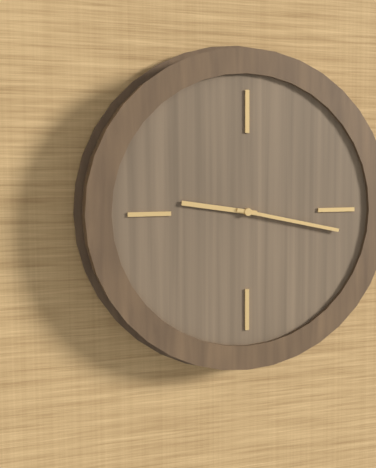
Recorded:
9,17
